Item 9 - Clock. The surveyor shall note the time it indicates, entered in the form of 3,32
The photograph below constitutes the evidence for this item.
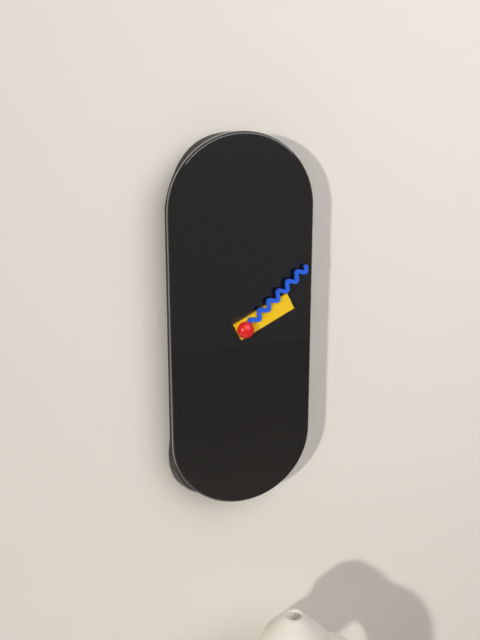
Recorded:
2,08
